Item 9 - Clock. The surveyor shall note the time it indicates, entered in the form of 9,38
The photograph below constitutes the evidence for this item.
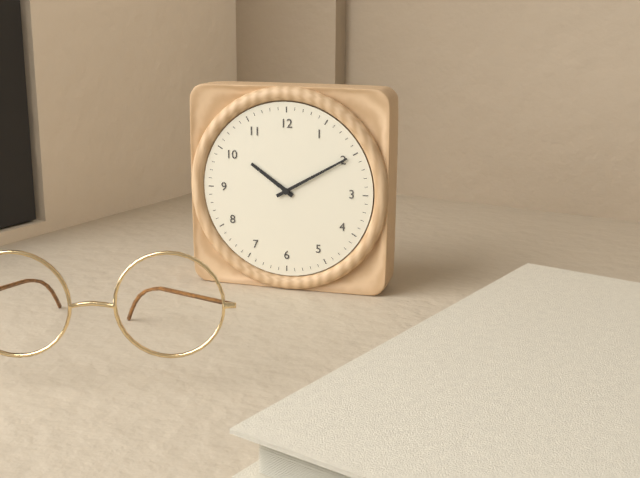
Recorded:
10,10
